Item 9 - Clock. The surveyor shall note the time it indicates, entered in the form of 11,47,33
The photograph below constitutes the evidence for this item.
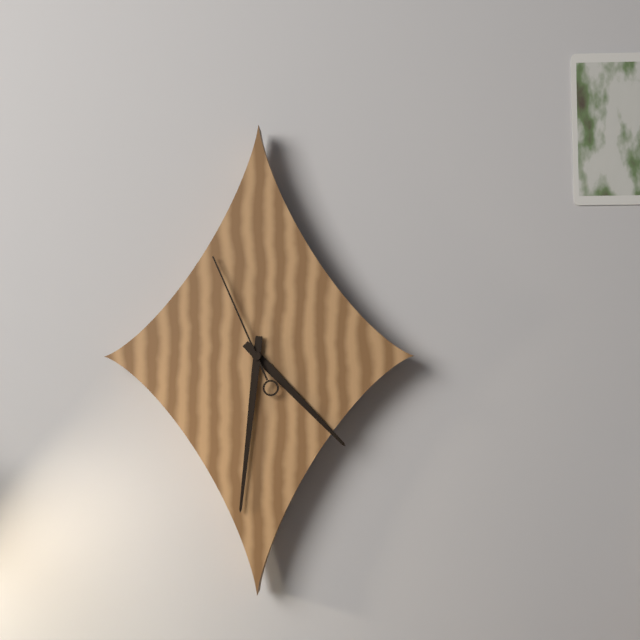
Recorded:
4,31,56
